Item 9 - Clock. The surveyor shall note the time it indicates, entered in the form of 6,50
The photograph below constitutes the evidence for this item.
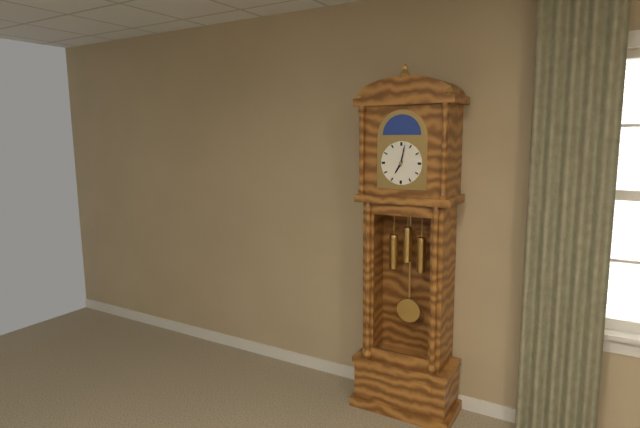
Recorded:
7,02
